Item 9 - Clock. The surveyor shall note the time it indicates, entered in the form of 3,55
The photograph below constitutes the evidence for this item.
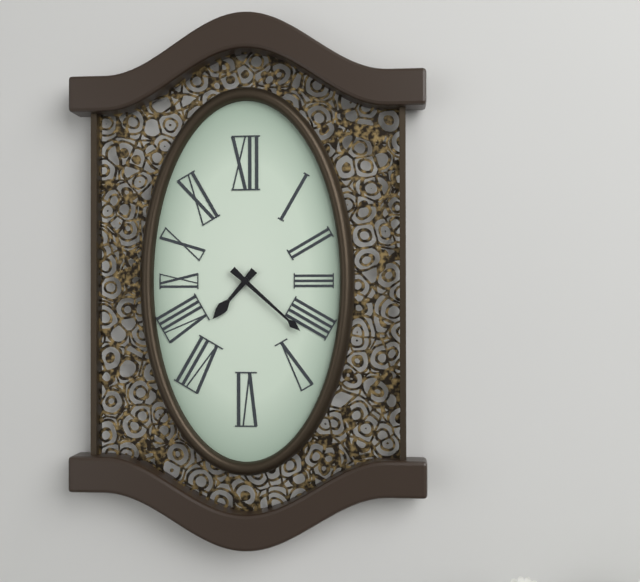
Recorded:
7,22
